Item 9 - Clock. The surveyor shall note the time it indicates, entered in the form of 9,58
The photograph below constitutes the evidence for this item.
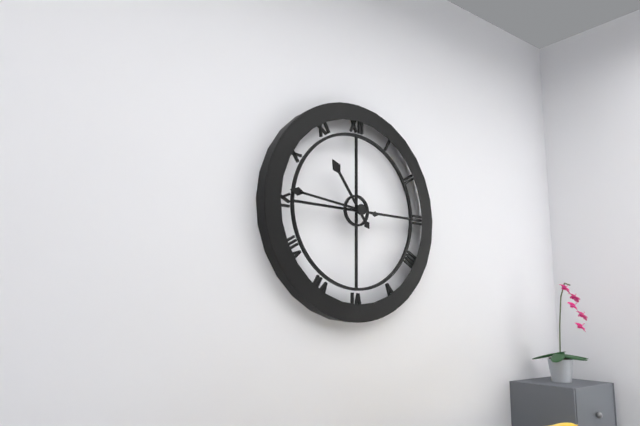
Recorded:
10,46
